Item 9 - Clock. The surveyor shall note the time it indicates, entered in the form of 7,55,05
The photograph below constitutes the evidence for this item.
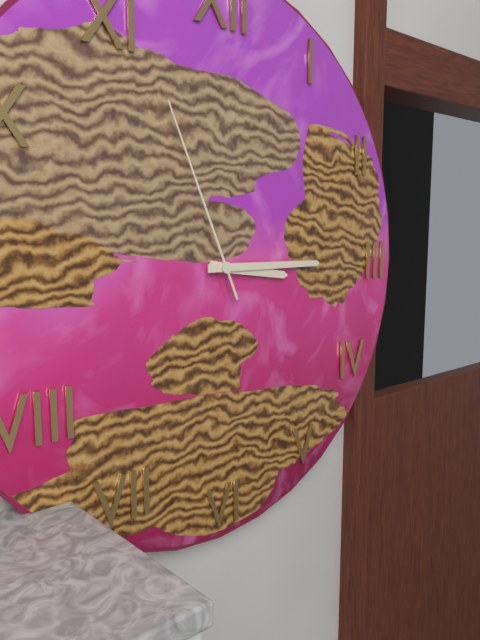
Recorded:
3,15,56
